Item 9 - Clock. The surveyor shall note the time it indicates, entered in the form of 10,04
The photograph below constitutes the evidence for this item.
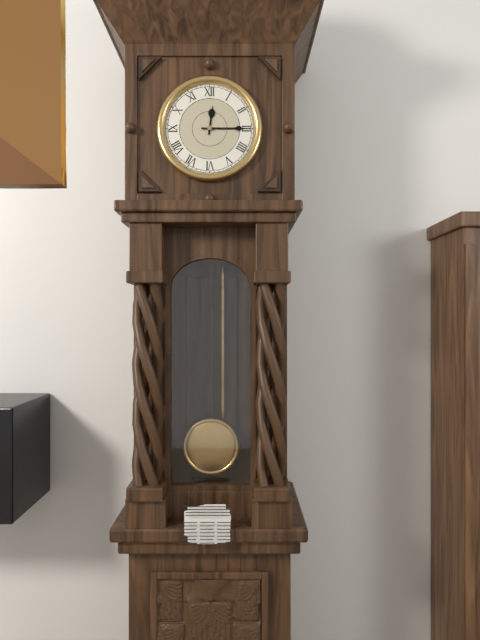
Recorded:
12,15
